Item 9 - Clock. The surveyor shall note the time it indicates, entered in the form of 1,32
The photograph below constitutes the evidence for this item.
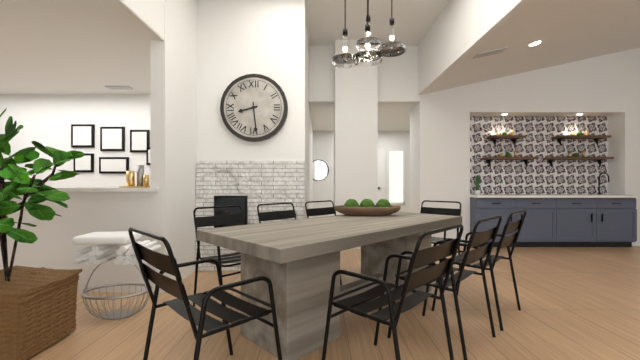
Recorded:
8,29
